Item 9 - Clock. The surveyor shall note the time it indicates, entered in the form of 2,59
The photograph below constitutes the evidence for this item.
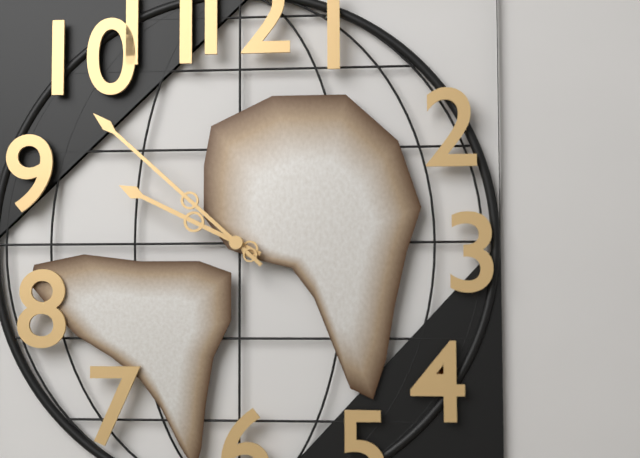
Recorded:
9,52
